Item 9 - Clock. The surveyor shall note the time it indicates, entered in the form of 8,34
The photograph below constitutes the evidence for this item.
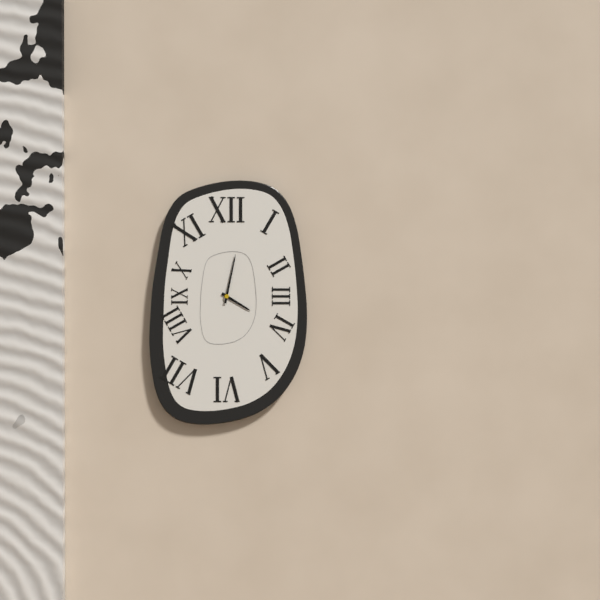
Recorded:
4,02
